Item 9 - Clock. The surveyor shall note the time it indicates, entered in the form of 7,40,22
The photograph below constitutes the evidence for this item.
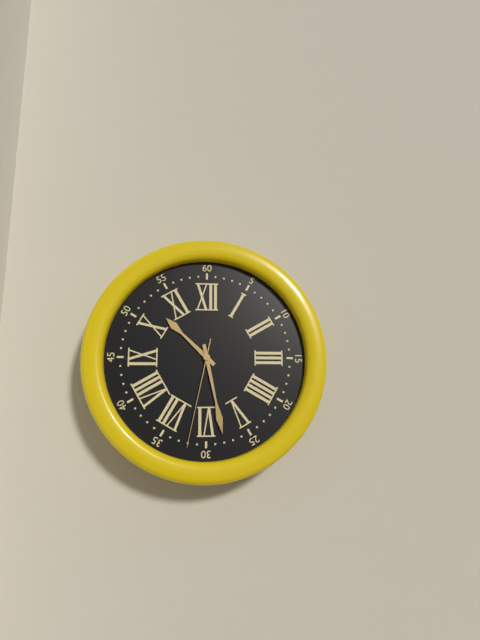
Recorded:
10,28,32
